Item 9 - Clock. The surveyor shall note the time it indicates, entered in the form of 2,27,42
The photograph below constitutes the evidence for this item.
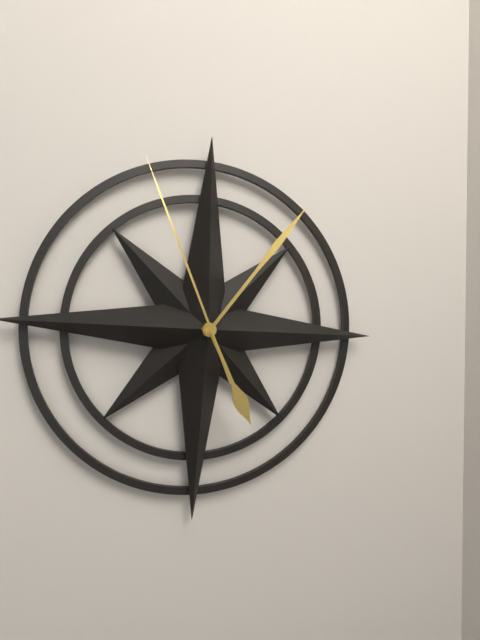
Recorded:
5,06,56
